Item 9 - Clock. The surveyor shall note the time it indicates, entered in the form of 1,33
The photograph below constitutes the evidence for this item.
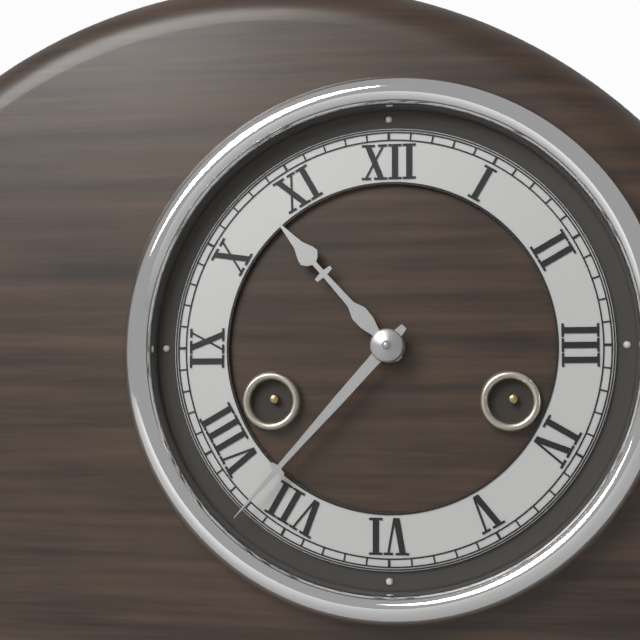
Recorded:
10,37
